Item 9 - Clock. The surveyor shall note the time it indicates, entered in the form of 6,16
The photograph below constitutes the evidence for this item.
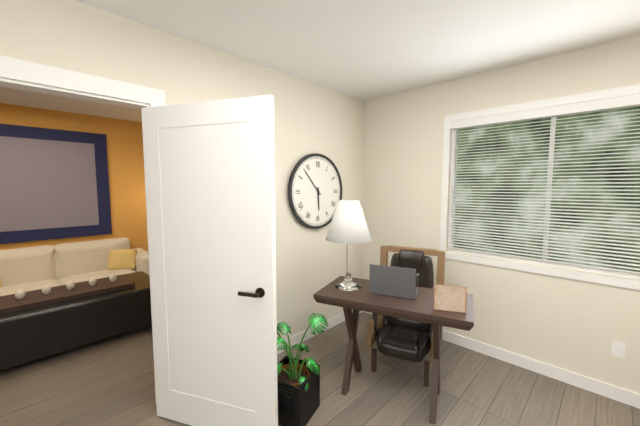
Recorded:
5,53
